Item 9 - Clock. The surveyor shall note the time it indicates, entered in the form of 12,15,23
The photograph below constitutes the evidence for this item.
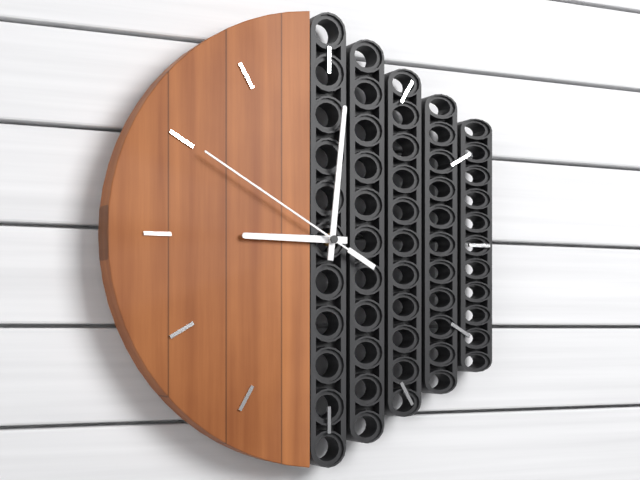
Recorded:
9,01,50
